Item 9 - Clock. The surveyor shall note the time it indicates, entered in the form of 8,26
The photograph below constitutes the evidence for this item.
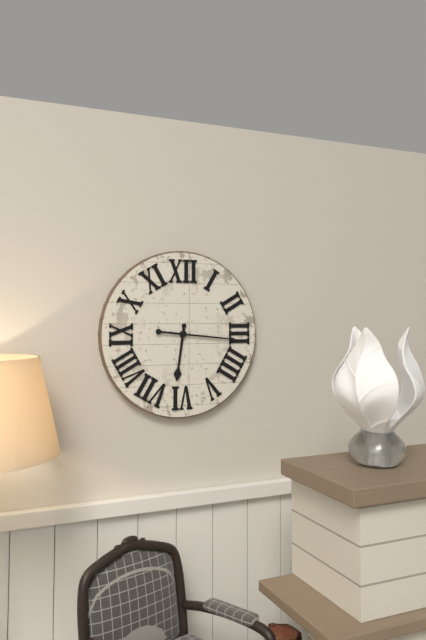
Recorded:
6,16
